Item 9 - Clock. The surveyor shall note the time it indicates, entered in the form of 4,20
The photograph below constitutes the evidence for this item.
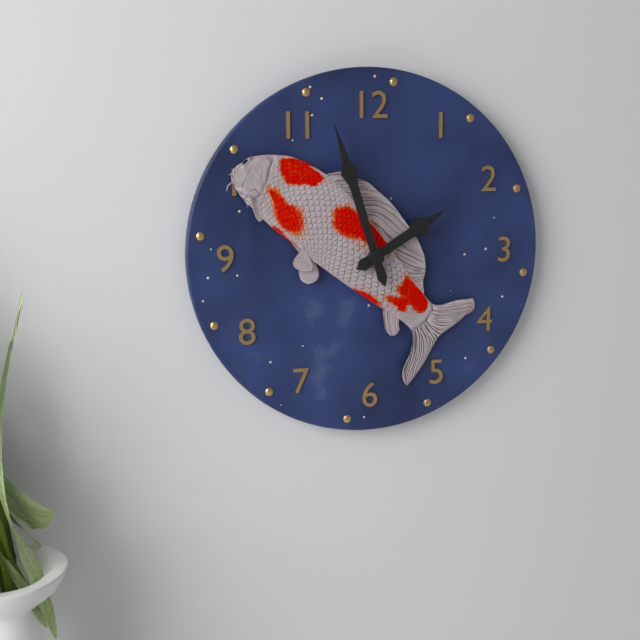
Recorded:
1,57
